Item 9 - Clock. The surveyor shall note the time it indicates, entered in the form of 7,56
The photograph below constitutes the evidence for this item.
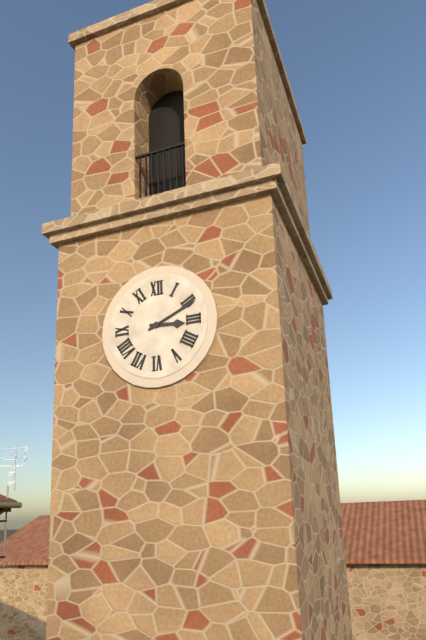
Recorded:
3,11
